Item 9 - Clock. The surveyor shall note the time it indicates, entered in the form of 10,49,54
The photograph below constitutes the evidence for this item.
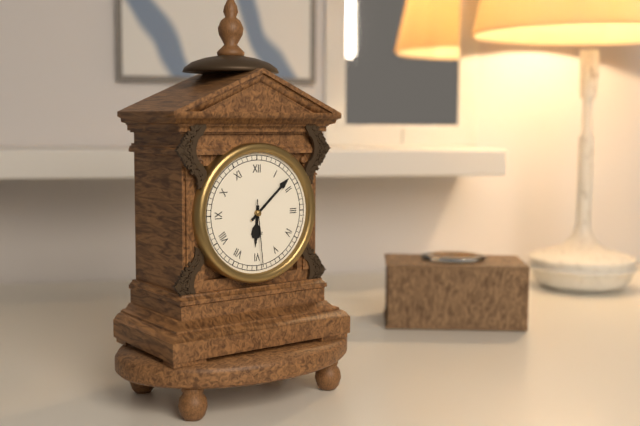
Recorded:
6,08,29
